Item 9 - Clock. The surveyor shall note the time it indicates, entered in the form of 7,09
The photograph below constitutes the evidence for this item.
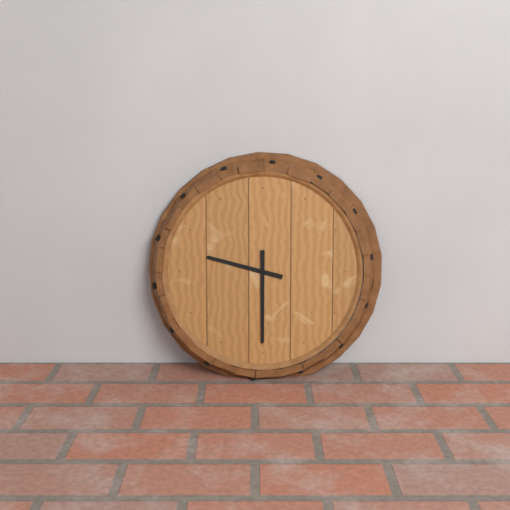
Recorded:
9,30
